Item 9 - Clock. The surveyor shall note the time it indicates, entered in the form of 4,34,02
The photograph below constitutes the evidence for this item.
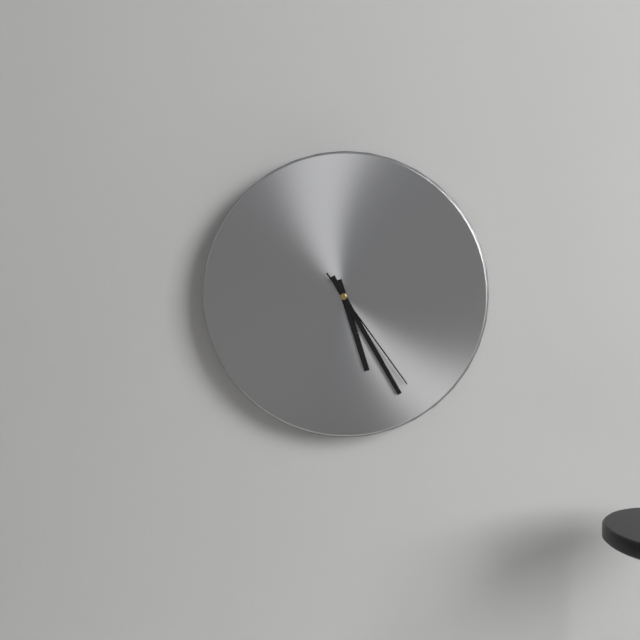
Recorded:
5,25,24
